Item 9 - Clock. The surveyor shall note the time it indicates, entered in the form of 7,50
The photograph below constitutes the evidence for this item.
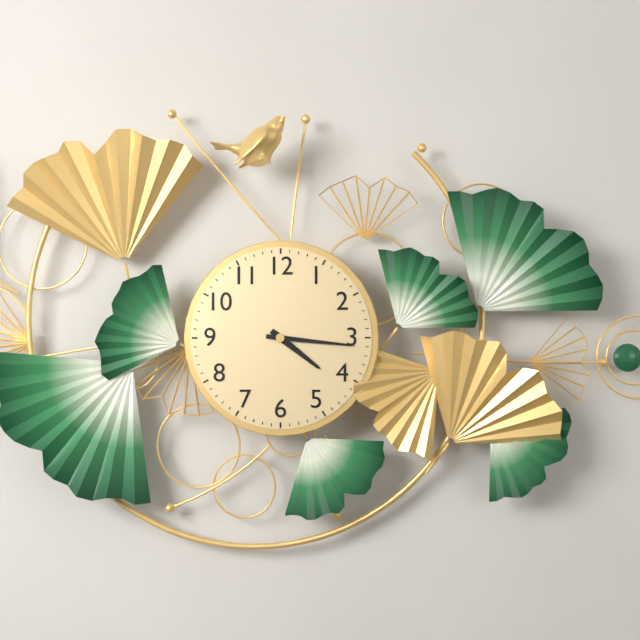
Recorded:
4,16
